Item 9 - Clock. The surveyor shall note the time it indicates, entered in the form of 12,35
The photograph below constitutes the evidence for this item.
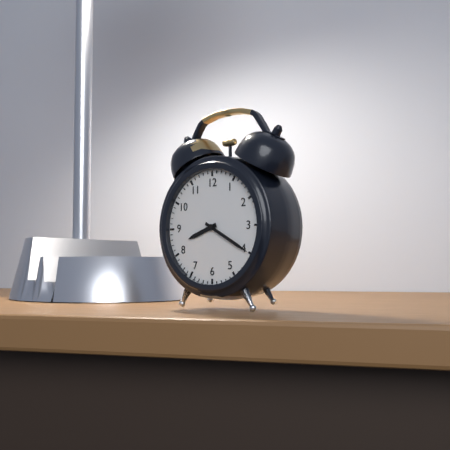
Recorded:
8,20
